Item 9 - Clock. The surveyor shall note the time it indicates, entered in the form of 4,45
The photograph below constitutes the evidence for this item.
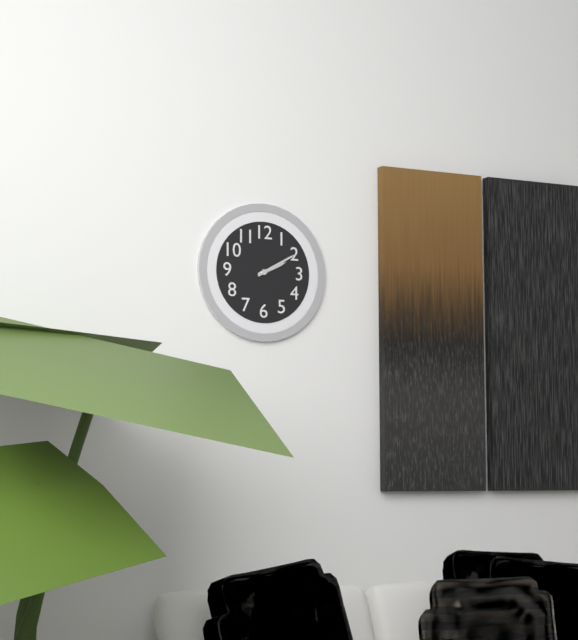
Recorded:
2,10
